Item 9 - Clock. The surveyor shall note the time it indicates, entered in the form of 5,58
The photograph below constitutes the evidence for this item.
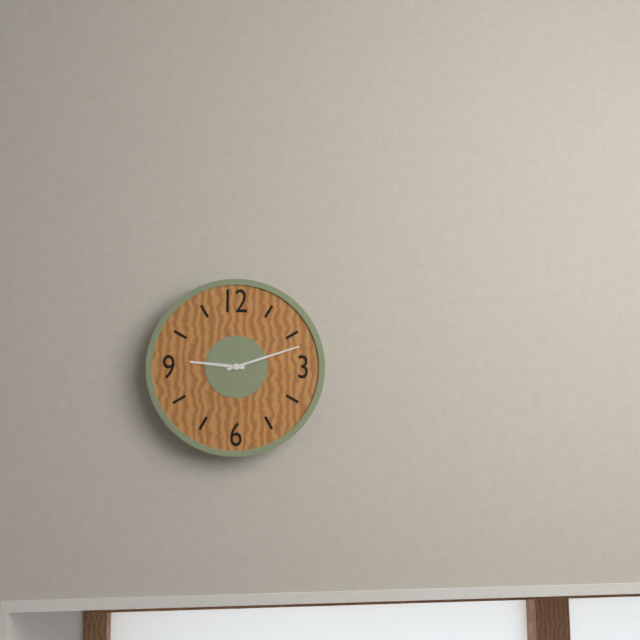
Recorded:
9,12
